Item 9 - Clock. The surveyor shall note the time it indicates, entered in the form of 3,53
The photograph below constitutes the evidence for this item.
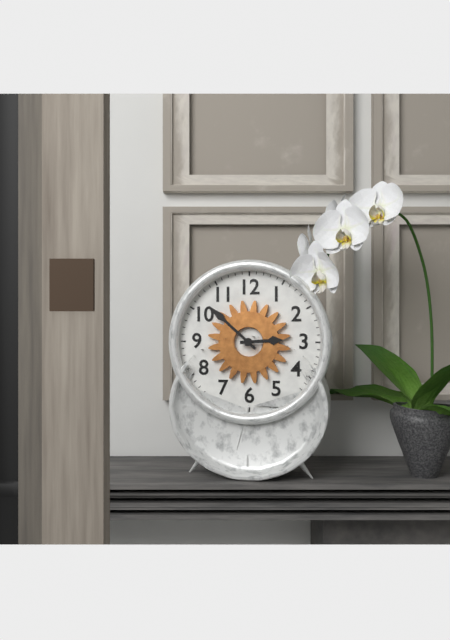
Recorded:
2,52
